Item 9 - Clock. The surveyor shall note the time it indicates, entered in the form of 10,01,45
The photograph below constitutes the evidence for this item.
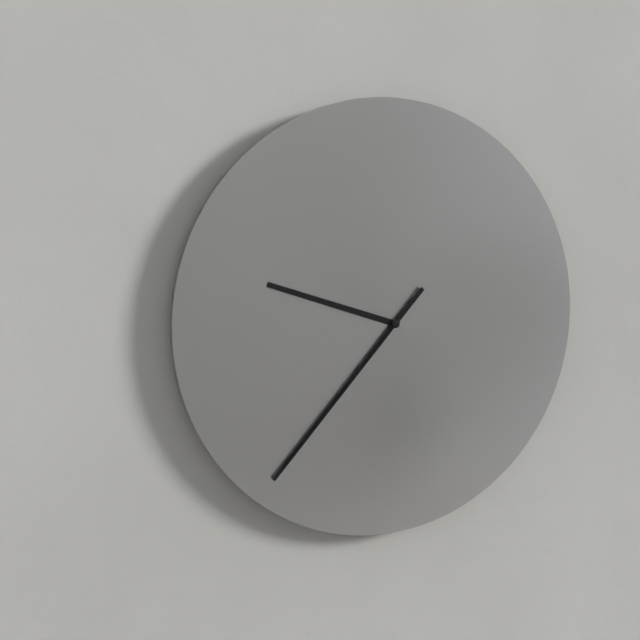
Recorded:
9,37,37
